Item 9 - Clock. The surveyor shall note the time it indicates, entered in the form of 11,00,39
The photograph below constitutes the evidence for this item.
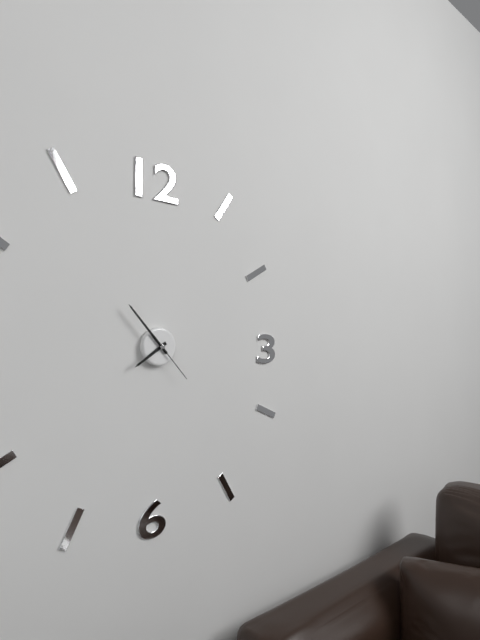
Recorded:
7,53,23
